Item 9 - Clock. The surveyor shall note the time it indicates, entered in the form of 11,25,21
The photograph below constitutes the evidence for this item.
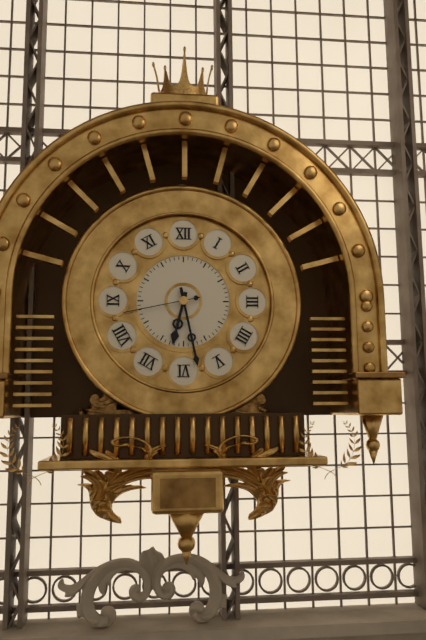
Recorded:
6,28,43
